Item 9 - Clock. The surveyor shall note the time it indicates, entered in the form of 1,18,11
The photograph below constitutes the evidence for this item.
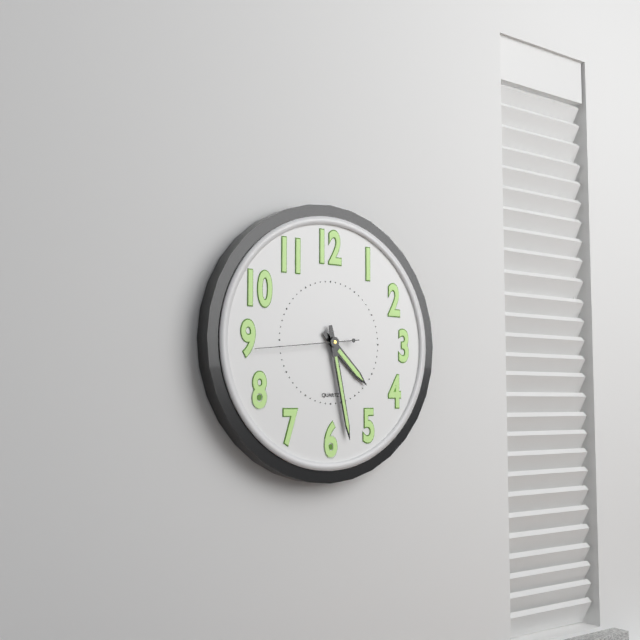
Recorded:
4,28,44
